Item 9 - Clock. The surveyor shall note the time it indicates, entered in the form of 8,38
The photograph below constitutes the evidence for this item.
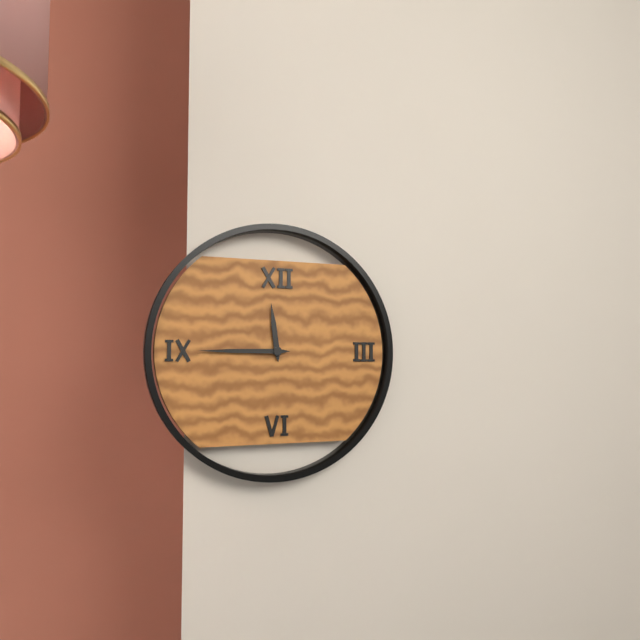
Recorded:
11,45
